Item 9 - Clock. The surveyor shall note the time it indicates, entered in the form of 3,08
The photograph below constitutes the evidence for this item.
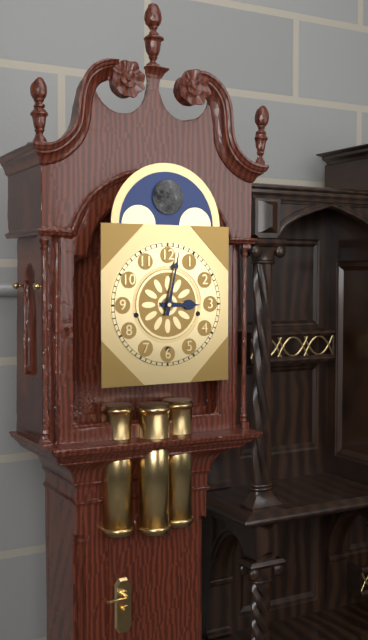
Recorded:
3,02
